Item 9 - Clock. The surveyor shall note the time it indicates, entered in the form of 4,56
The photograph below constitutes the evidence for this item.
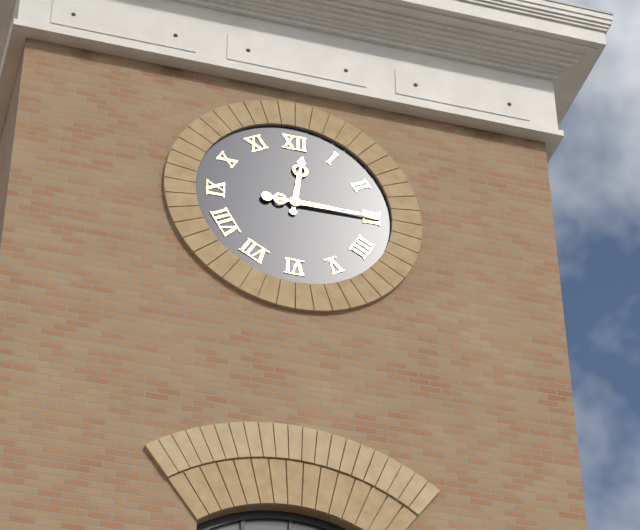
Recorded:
12,15
